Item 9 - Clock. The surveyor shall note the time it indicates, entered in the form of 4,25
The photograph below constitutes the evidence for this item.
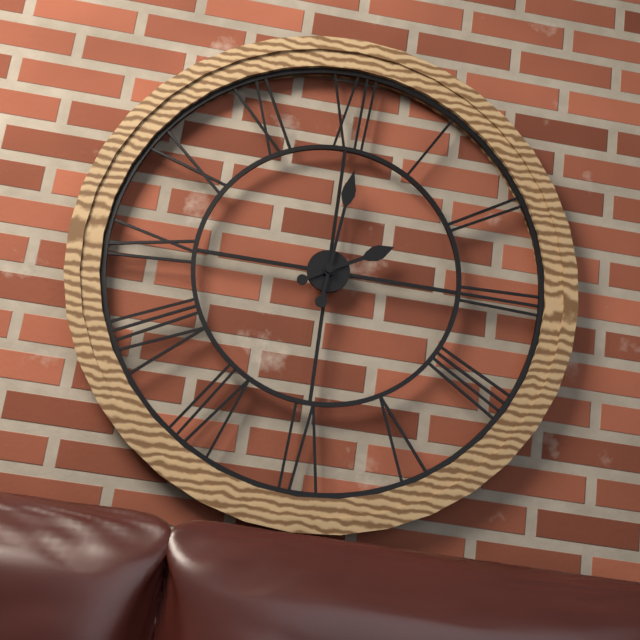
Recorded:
2,01
